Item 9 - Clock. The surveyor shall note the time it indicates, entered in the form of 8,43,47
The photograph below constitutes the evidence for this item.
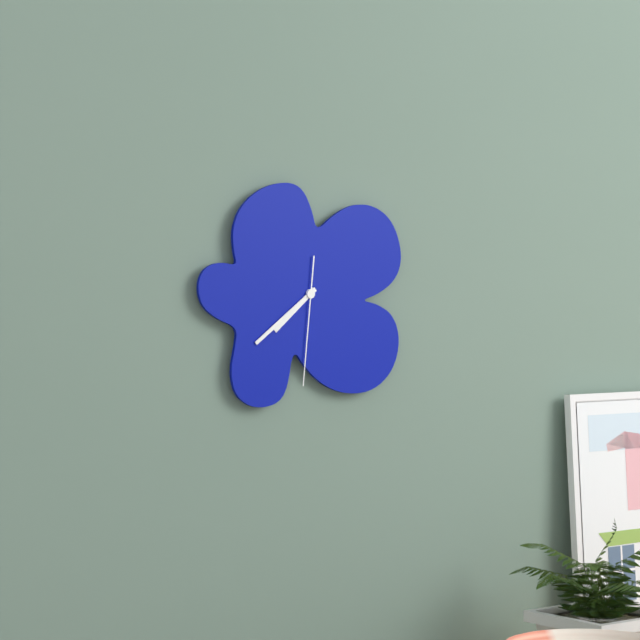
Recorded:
7,39,31
